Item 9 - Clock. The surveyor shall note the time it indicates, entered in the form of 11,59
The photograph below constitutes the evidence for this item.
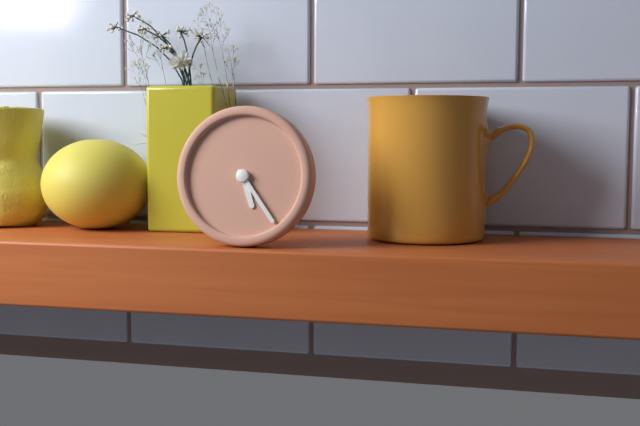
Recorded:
5,24
